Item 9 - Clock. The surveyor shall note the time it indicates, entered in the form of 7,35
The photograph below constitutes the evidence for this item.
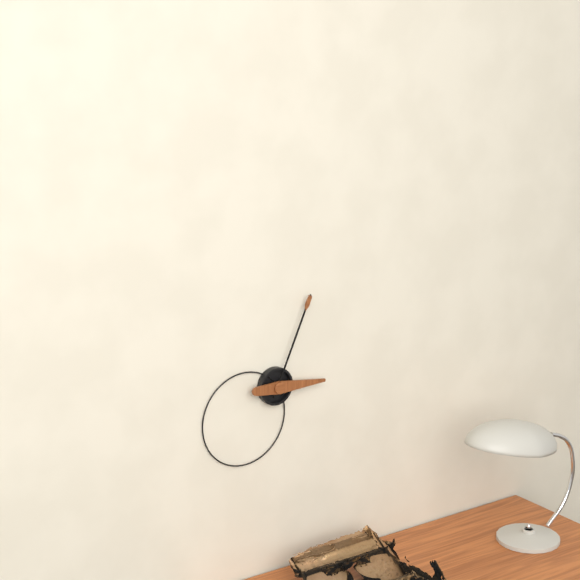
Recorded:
3,04
